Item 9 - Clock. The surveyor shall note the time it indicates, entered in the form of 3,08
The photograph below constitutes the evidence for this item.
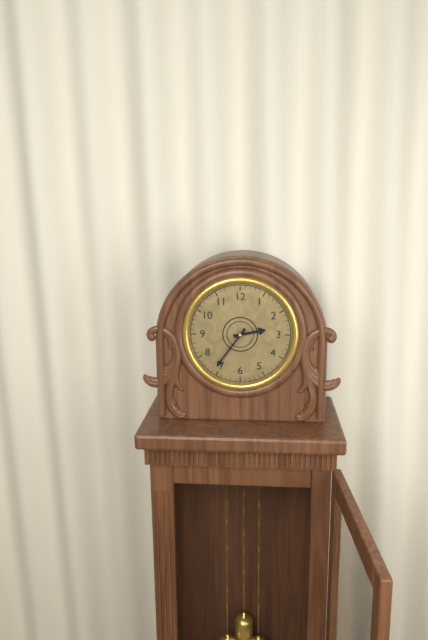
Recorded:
2,36
